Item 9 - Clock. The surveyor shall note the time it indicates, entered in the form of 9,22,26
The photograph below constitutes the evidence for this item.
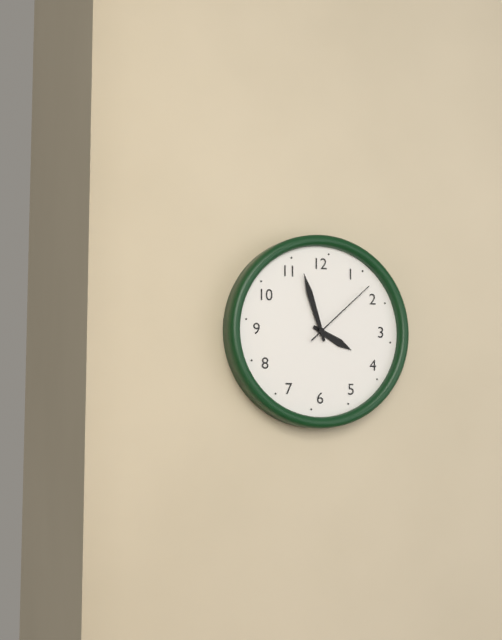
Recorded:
3,57,08
